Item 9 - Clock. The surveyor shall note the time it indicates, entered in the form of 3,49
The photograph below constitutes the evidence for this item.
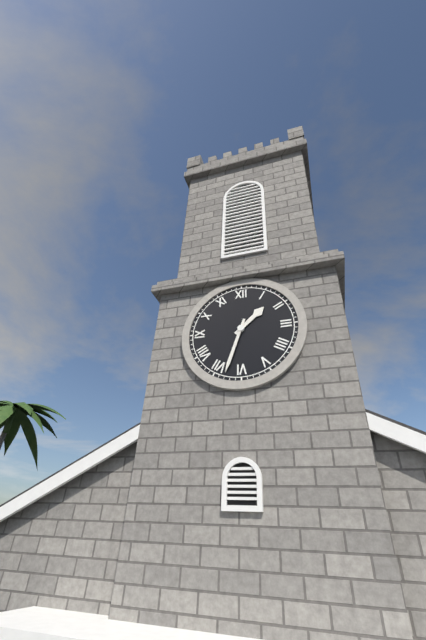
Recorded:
1,33
